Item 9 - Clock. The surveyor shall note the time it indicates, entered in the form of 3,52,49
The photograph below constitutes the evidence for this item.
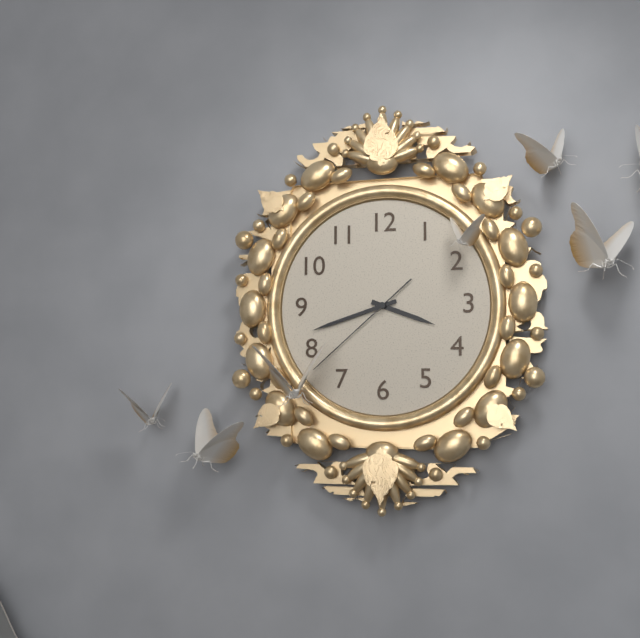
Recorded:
3,42,38
